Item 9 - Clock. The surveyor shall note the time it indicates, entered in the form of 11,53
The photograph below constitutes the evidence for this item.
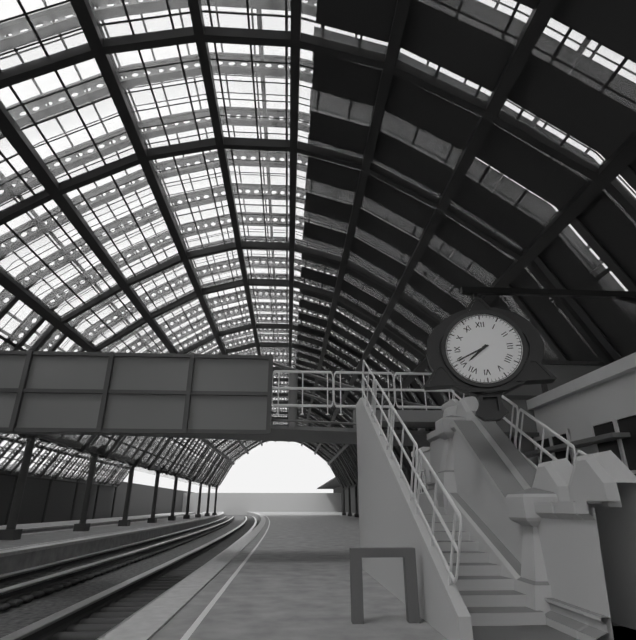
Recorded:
7,41
